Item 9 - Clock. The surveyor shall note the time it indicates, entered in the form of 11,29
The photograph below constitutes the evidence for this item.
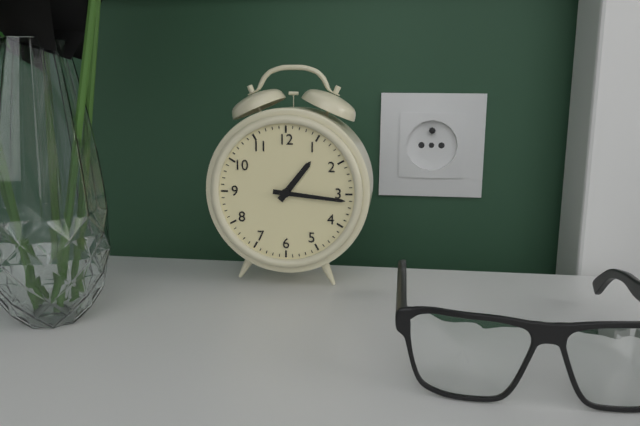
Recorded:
1,16
